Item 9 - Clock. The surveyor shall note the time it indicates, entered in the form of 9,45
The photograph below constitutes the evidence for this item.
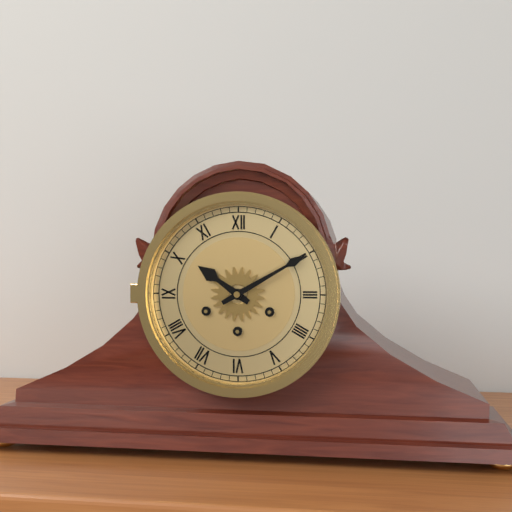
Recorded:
10,10
